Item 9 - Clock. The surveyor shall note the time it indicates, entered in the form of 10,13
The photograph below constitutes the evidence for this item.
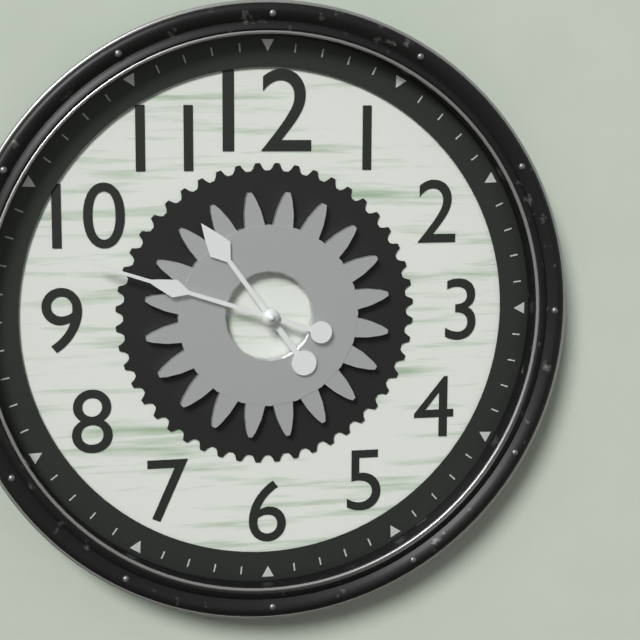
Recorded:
10,48
